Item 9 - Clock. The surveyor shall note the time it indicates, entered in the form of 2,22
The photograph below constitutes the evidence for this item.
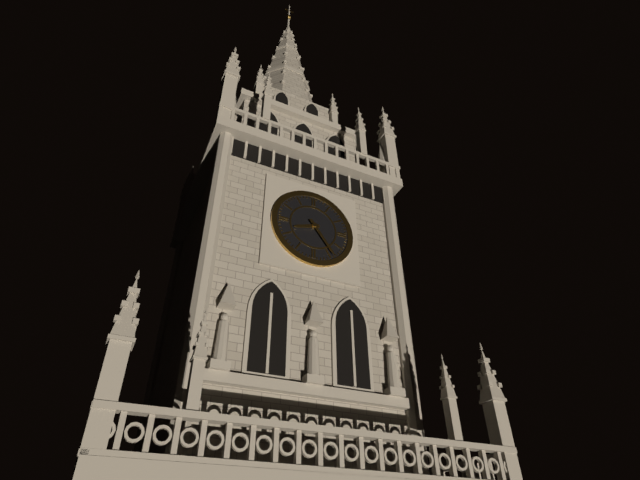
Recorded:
8,24
